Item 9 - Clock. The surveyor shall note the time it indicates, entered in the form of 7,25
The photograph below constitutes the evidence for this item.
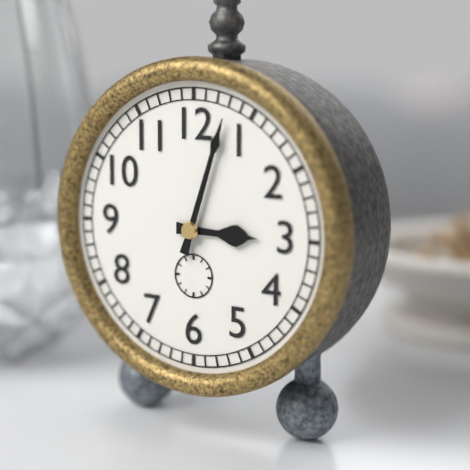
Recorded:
3,03
